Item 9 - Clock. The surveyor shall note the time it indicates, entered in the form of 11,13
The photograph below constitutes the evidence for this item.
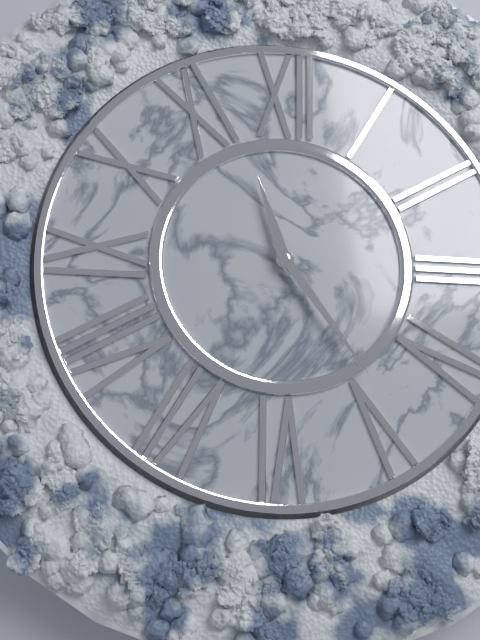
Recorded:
11,24
